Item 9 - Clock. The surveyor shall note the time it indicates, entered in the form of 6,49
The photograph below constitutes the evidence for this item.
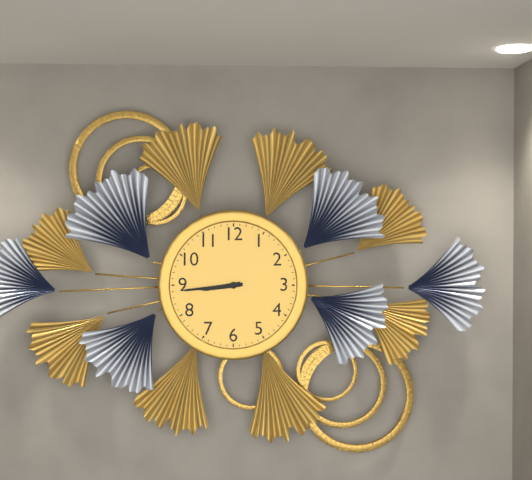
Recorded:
8,44
